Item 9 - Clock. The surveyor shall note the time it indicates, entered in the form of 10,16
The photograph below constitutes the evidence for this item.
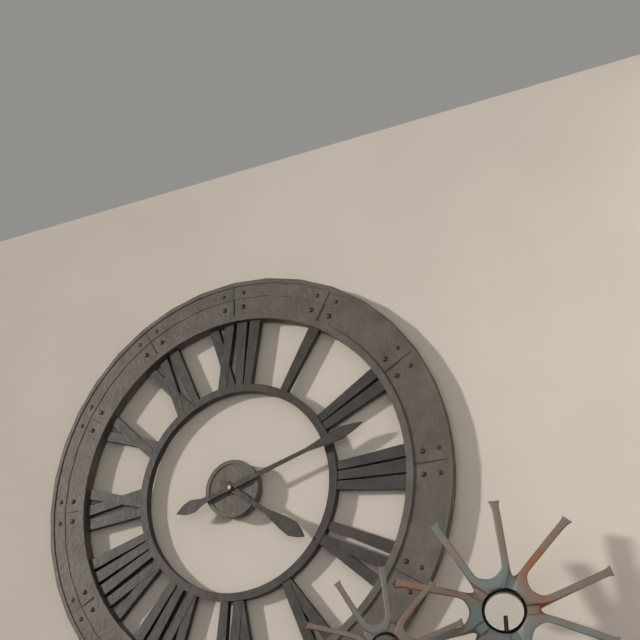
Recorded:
4,12
